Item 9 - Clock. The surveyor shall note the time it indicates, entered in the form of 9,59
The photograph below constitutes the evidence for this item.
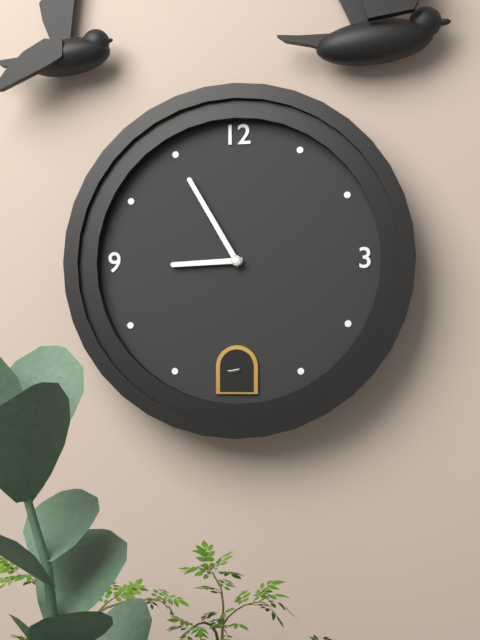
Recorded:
8,55
